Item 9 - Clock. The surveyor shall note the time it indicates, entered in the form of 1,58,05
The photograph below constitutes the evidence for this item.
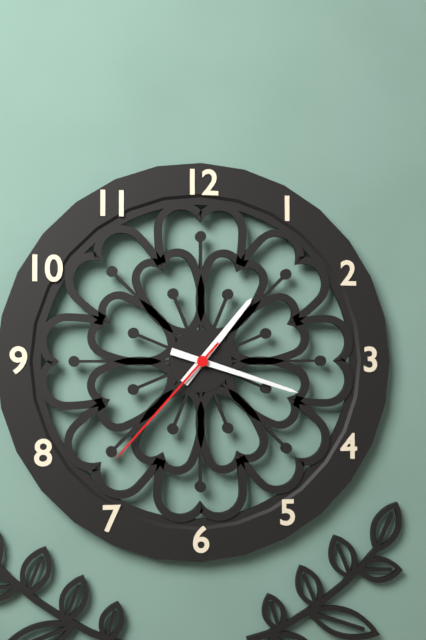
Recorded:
1,18,37
